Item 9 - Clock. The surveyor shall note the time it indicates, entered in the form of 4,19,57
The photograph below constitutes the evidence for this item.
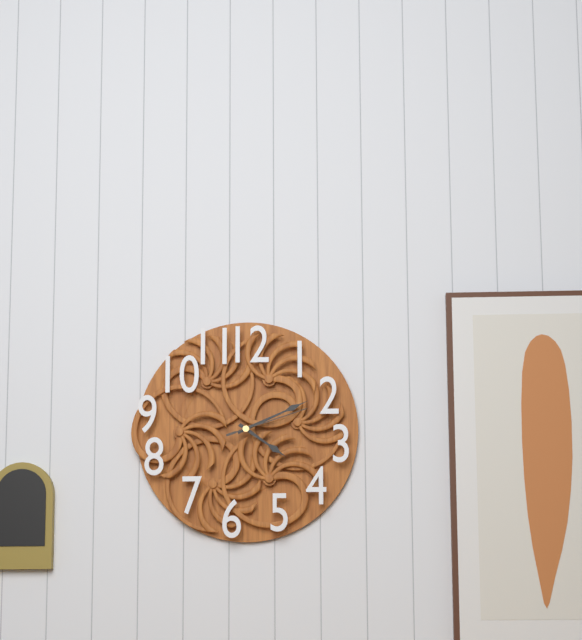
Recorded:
4,11,12
